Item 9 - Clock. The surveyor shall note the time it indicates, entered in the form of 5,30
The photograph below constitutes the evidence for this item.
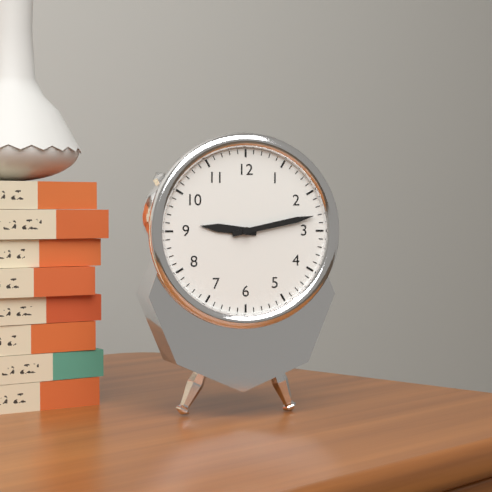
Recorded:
9,13
